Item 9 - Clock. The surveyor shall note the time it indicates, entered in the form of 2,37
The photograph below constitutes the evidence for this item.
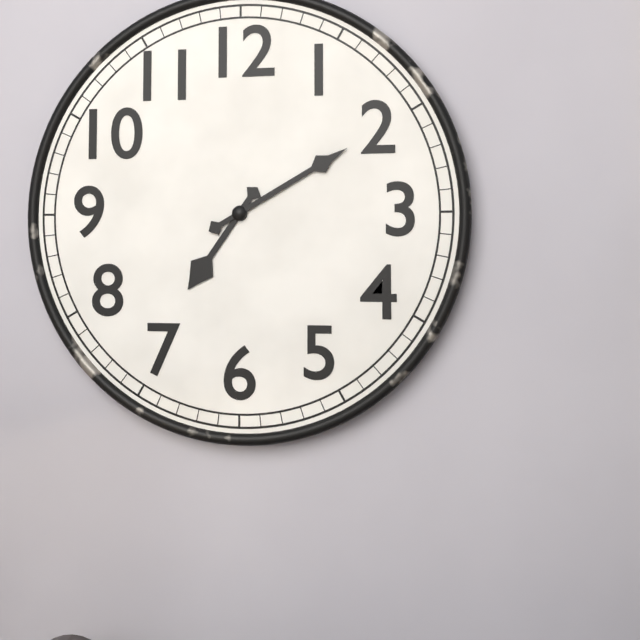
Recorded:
7,10
